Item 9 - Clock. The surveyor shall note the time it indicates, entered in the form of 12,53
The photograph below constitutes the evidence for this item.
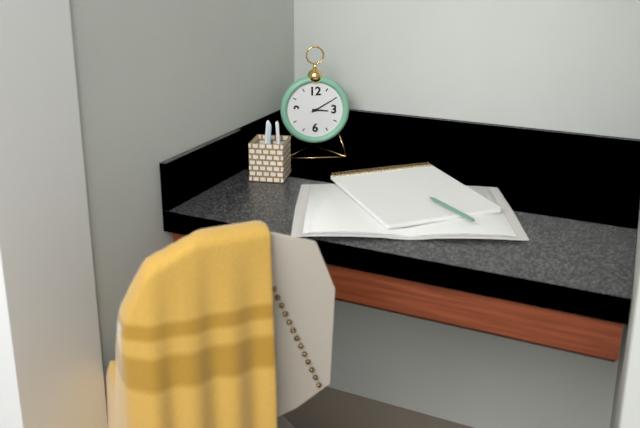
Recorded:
3,10
